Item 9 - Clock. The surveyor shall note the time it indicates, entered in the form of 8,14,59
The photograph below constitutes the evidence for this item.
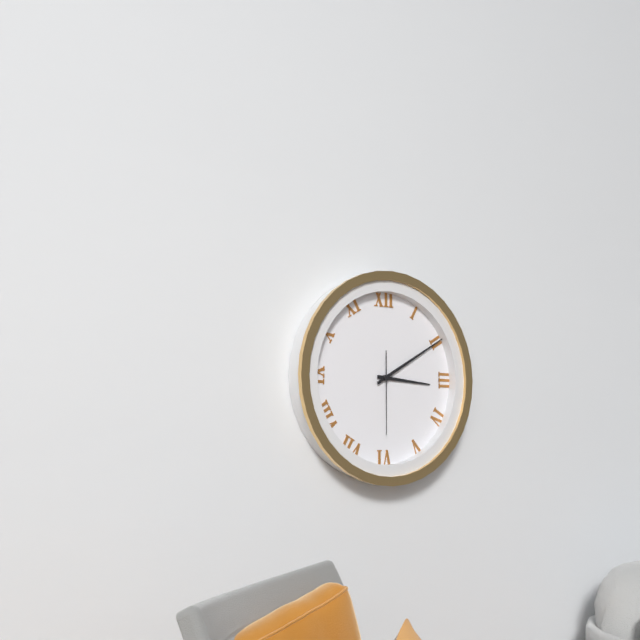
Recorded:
3,10,30
